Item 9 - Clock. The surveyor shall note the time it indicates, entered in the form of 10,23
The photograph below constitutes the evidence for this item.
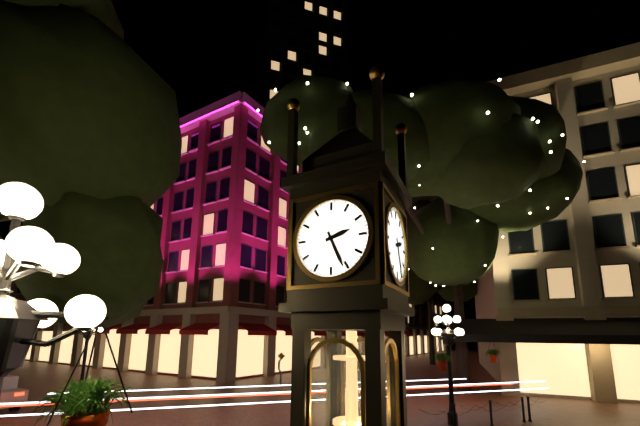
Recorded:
2,26
